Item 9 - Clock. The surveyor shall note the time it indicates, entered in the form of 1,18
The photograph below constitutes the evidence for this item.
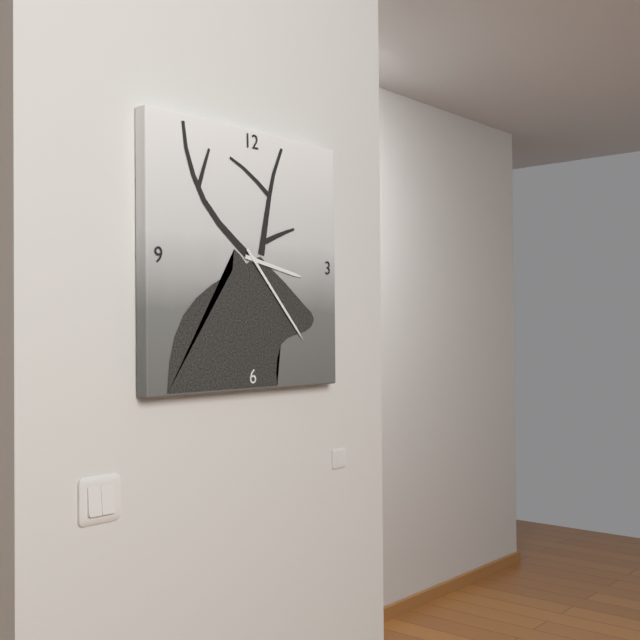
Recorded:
3,23
